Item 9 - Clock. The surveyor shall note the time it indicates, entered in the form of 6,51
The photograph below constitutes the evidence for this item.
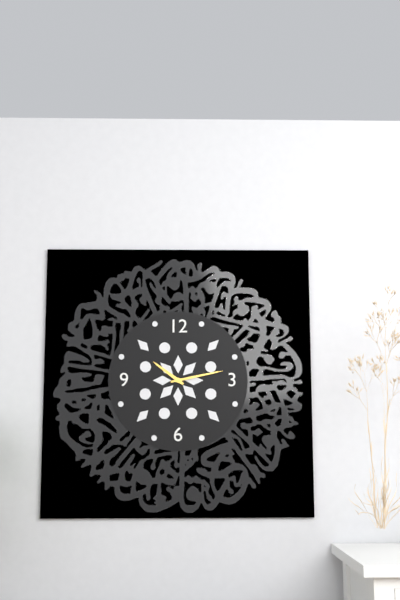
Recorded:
10,13
